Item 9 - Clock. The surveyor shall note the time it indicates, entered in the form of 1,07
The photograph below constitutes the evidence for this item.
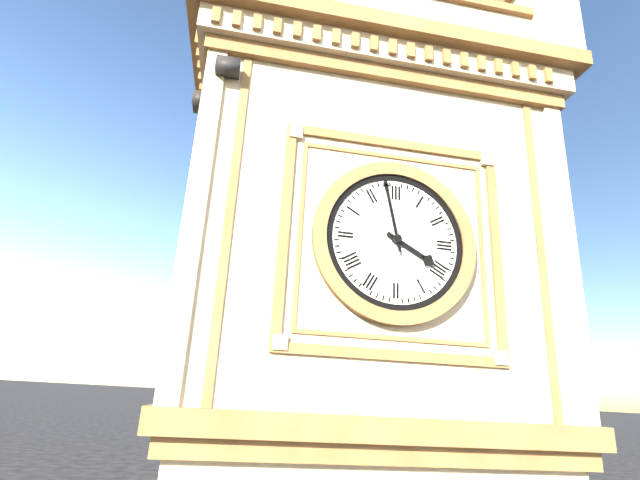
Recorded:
3,58
